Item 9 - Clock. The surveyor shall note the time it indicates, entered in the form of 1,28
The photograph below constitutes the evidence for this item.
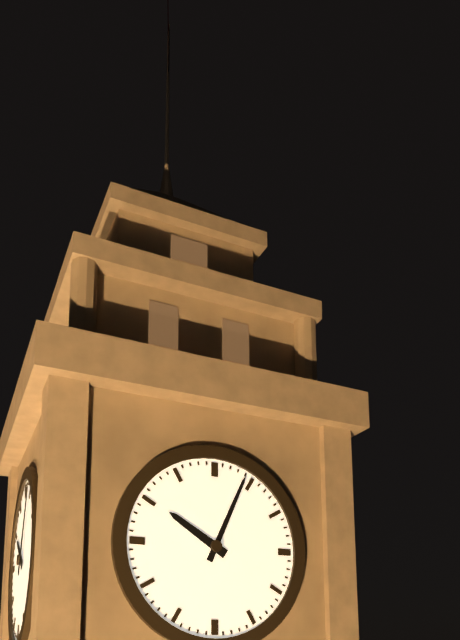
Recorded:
10,04
